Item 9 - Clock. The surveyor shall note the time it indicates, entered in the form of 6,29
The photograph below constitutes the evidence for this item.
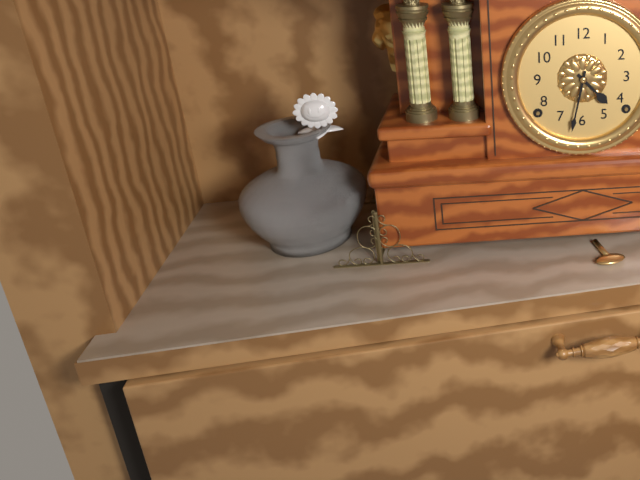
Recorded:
4,32
